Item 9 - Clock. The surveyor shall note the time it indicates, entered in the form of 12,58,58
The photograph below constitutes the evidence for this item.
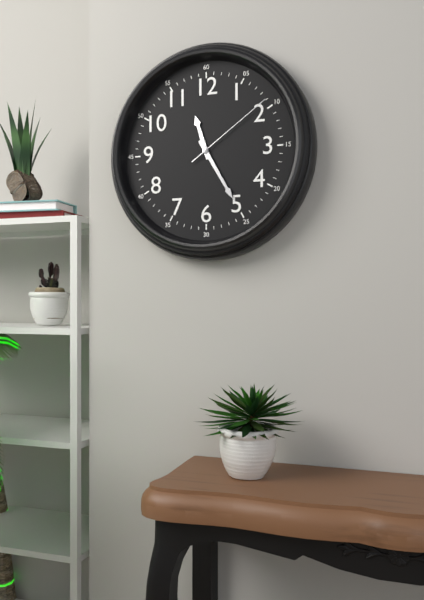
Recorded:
11,25,09
